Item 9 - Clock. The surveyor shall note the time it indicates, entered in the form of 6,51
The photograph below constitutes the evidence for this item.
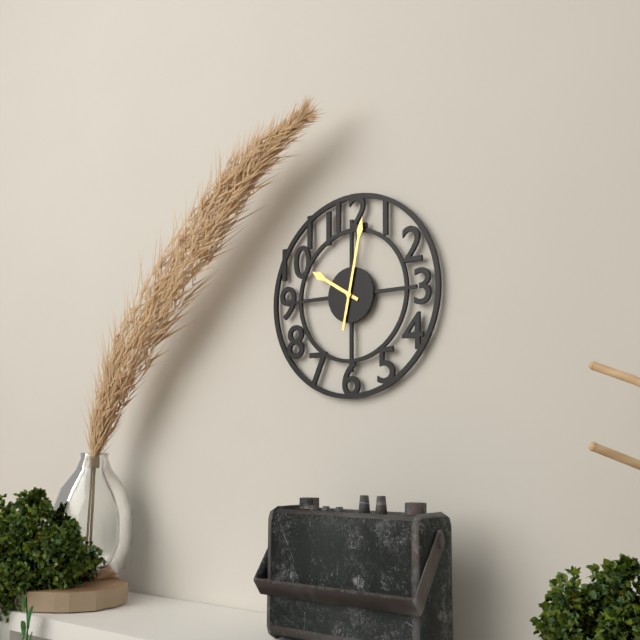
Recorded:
10,02
